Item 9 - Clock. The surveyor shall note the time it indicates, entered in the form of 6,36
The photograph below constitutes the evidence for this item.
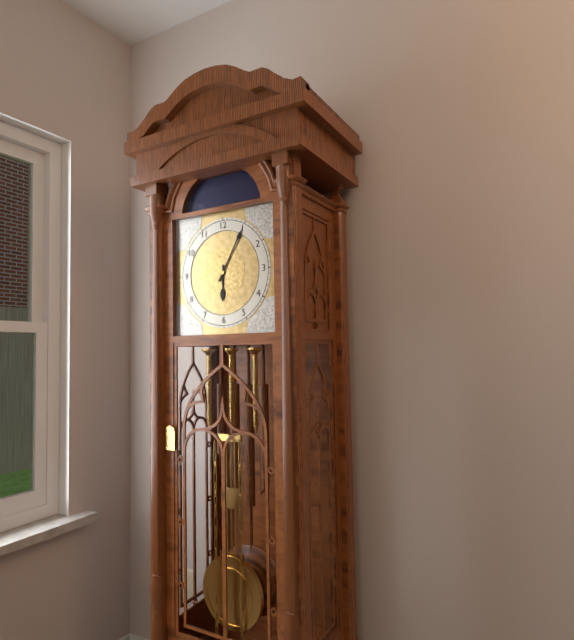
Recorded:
6,05
